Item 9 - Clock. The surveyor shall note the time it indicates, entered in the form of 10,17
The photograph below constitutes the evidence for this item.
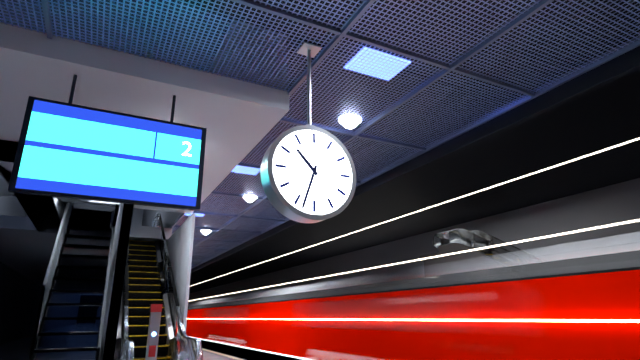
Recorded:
10,33
